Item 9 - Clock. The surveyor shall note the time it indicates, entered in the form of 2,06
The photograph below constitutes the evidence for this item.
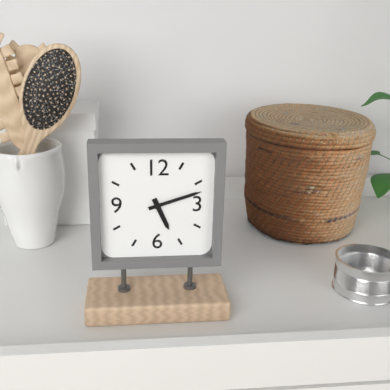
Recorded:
5,12
